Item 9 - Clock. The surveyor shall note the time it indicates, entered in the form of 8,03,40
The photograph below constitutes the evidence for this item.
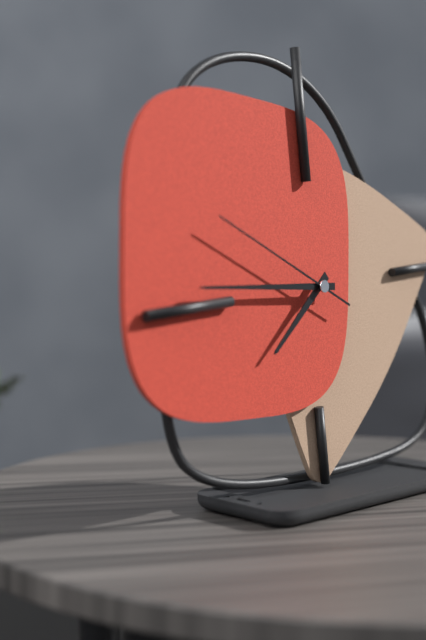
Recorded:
7,46,50
